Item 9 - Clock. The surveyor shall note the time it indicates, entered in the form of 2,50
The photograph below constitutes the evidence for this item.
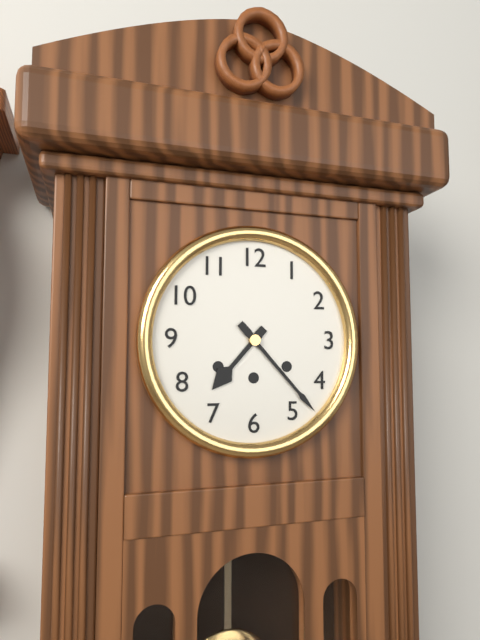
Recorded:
7,23
